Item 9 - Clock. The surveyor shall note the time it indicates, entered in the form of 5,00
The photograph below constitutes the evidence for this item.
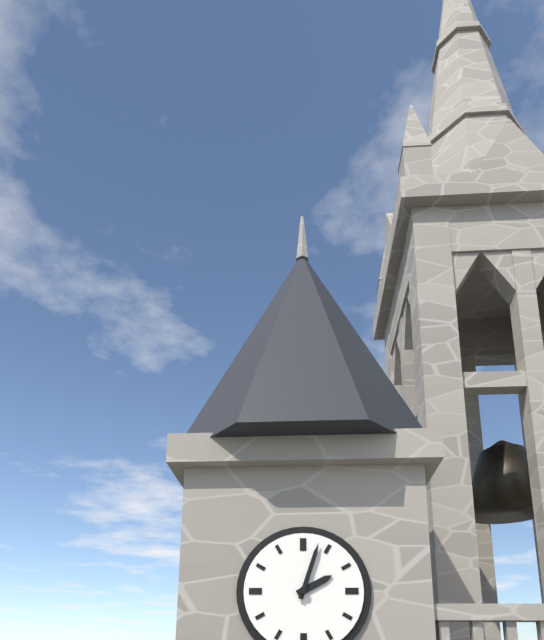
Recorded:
2,03
